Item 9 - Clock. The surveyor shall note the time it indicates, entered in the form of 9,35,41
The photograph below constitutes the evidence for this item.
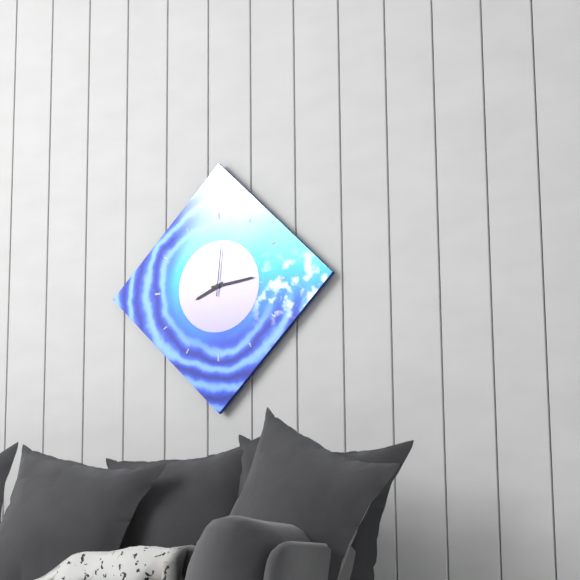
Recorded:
8,14,01
